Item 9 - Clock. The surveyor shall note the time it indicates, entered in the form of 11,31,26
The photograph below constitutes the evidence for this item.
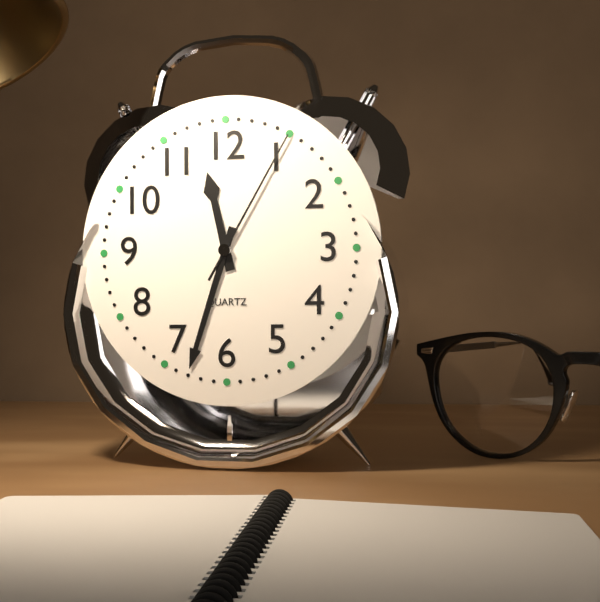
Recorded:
11,33,05
